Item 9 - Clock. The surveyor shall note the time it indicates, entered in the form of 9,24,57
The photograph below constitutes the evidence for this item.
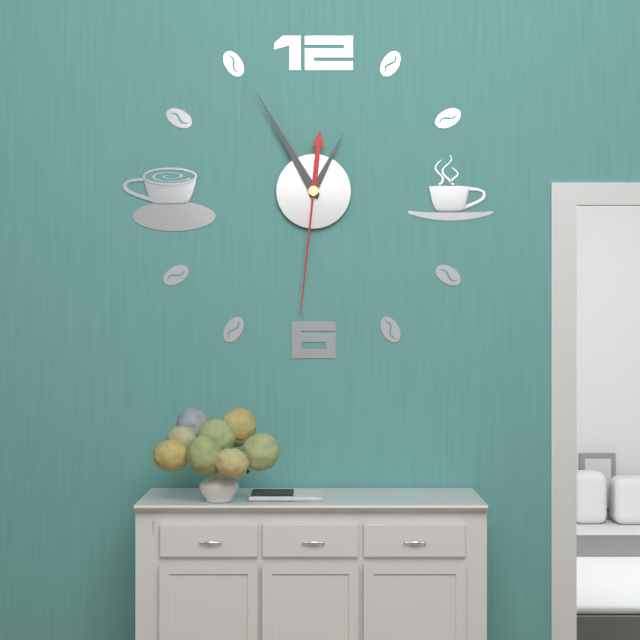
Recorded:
12,55,31
